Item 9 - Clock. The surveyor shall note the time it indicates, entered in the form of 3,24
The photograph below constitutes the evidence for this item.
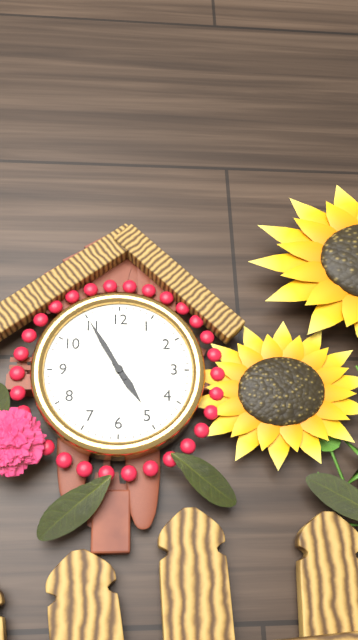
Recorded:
4,55
